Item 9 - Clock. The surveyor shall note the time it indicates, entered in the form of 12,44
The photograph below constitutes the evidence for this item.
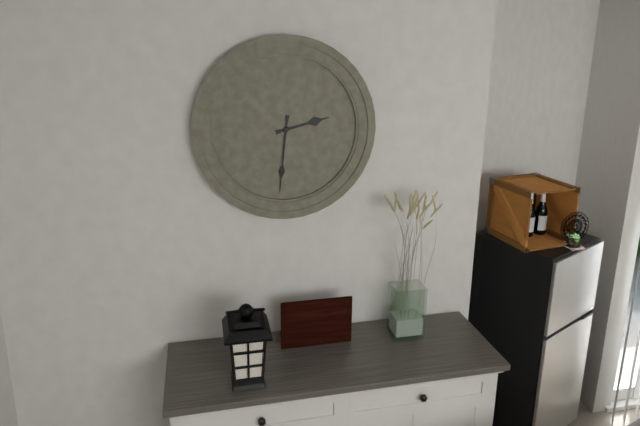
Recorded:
2,31
